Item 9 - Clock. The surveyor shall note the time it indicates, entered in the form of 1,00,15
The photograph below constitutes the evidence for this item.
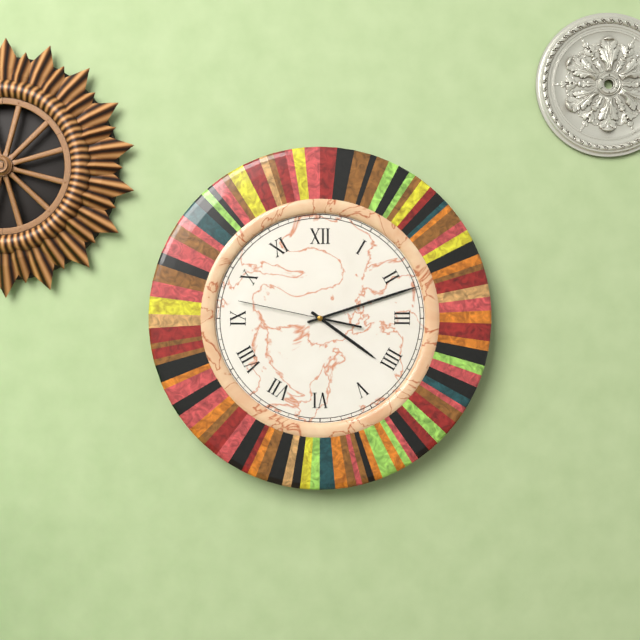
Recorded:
4,12,47
